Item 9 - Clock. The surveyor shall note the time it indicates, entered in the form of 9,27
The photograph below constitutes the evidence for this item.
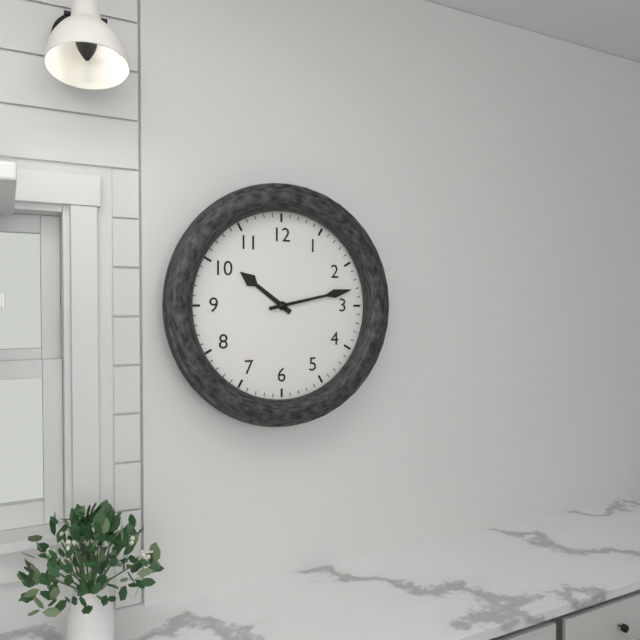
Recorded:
10,13
